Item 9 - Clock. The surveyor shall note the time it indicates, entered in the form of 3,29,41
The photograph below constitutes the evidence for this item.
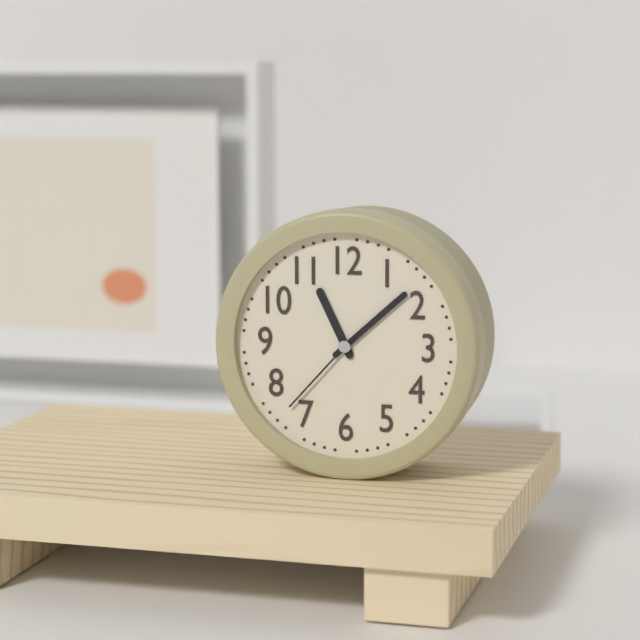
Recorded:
11,08,37
